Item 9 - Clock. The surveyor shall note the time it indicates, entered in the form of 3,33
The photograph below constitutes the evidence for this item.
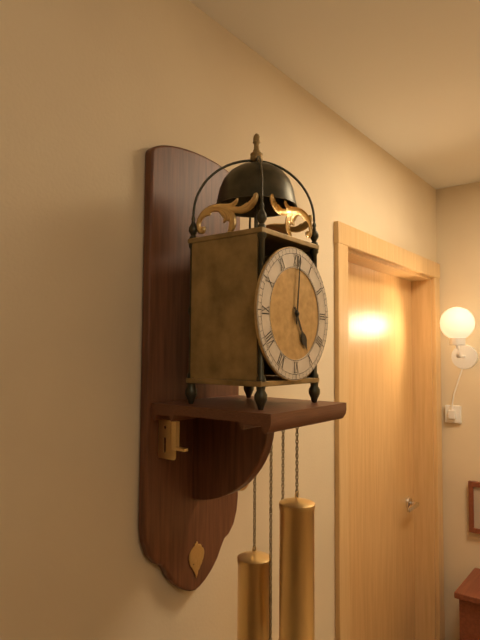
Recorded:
5,01
